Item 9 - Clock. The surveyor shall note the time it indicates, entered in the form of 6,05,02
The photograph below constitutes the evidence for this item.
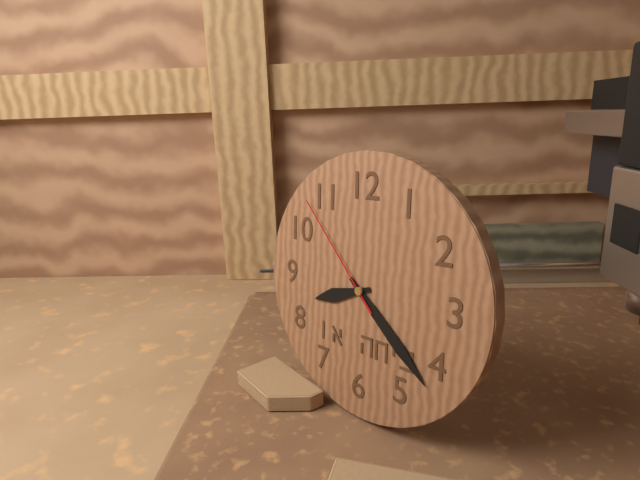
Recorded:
8,22,53
